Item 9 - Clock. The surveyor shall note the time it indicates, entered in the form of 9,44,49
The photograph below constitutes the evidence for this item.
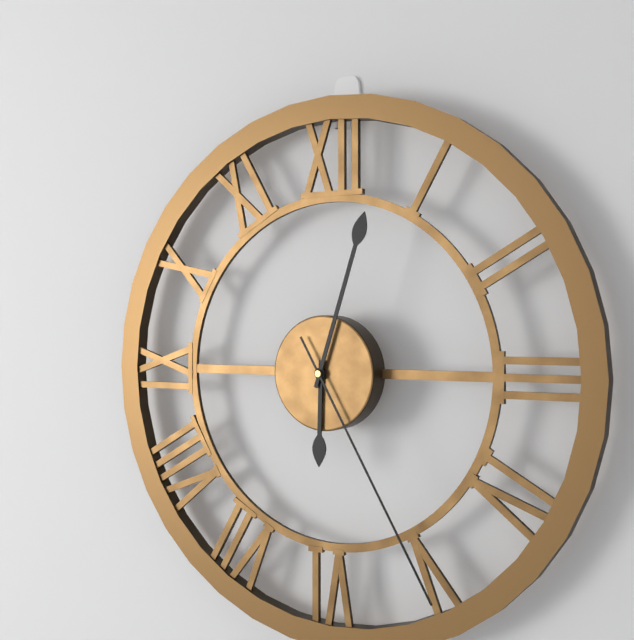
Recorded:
6,03,25
